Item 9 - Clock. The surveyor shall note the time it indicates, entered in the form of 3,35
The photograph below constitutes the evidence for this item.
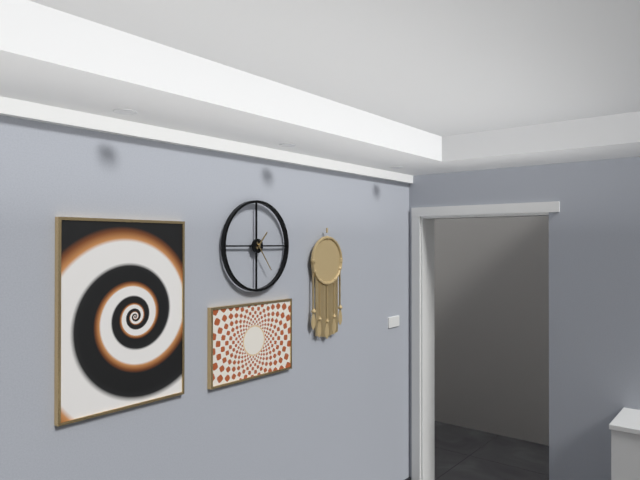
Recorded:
1,24
